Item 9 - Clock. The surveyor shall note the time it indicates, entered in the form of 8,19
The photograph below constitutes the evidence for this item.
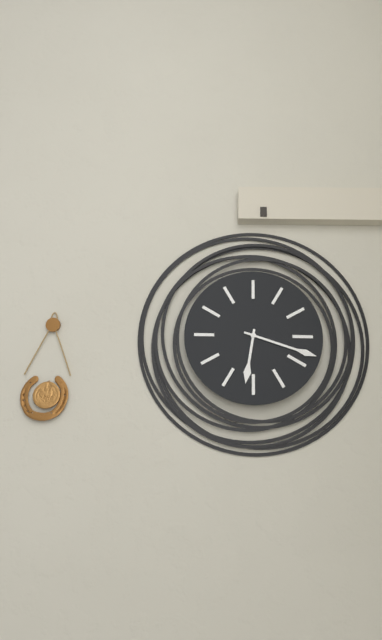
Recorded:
6,18
